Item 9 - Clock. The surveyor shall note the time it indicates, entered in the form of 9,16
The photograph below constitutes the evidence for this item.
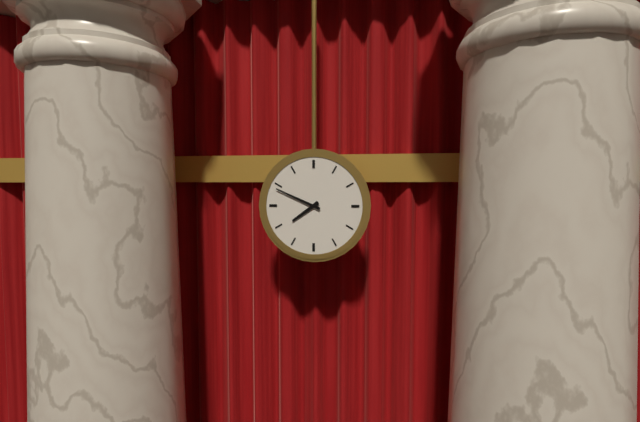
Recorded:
7,49
